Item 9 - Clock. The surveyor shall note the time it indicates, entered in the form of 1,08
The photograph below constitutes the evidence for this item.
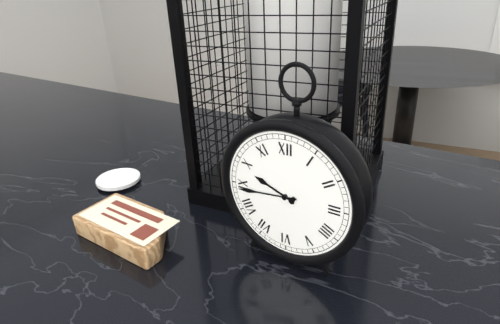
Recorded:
9,44
